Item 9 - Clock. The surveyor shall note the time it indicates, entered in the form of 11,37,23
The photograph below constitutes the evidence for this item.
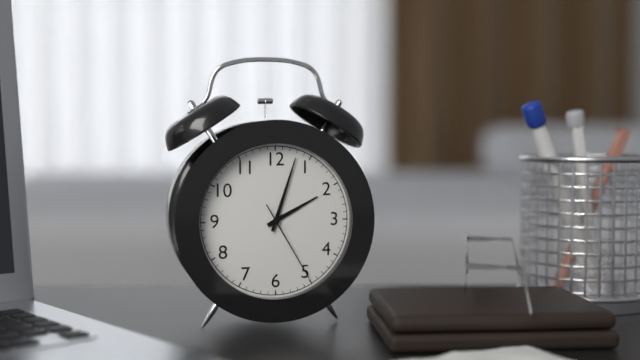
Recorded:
2,03,25
